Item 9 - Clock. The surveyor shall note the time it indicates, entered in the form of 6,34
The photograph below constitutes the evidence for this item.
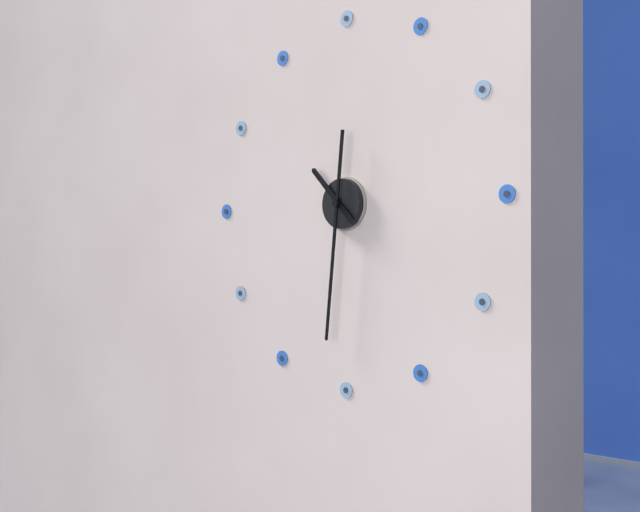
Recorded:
10,31
